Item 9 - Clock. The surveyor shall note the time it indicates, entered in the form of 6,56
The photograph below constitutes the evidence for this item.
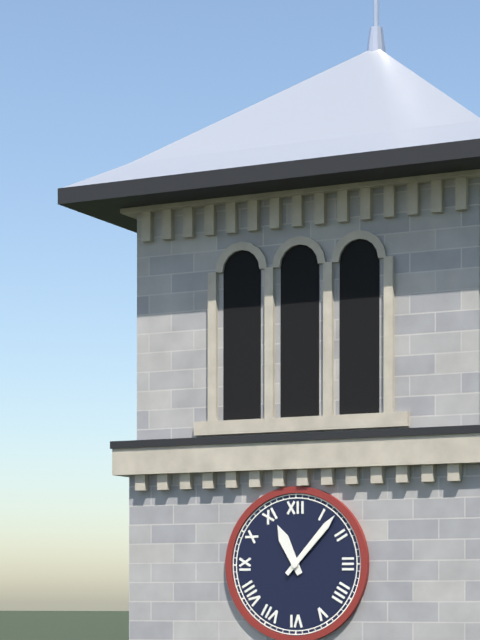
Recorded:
11,07
